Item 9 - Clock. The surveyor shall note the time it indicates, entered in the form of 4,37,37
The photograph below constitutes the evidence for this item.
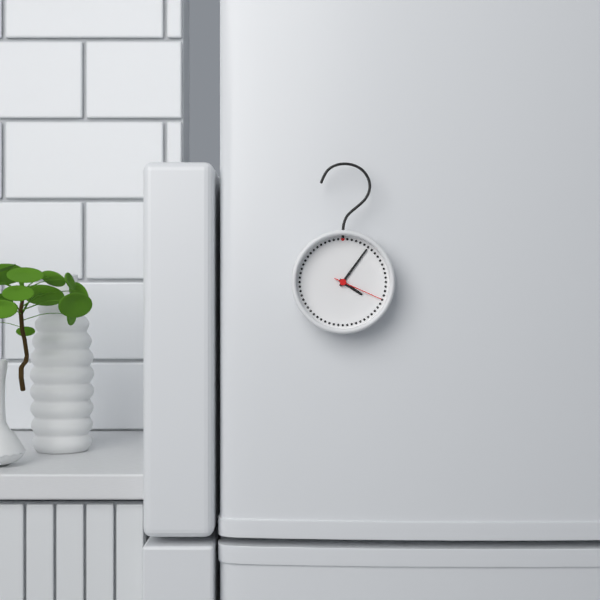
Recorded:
4,06,19
